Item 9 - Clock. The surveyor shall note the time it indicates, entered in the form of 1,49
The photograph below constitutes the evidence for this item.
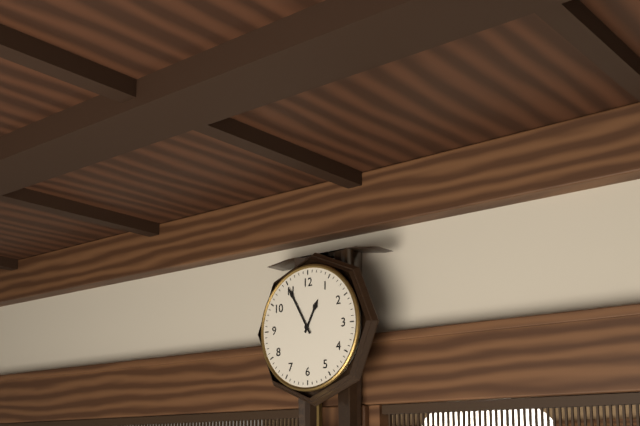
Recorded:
12,55
